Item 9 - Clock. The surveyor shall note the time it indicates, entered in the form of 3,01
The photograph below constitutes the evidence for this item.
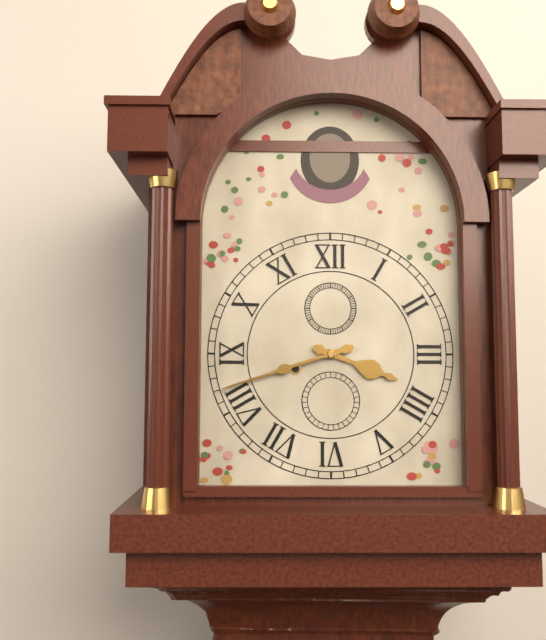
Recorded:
3,42
